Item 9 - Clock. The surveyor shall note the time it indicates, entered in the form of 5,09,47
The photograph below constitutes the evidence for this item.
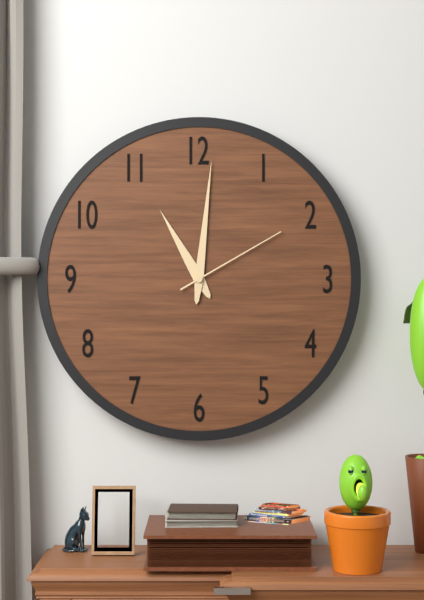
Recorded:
11,01,10
